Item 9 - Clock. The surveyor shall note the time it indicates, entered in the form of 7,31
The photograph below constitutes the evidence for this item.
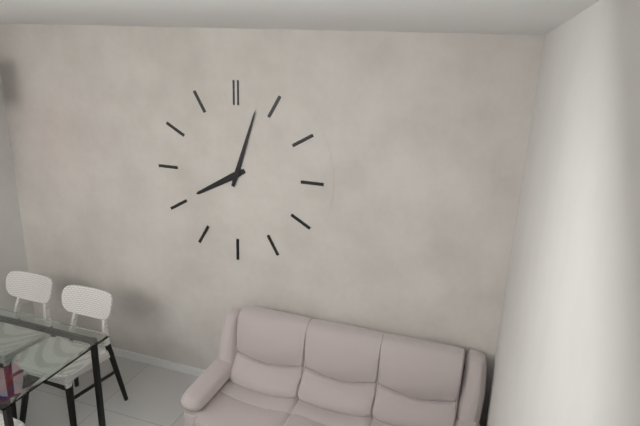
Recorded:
8,03
